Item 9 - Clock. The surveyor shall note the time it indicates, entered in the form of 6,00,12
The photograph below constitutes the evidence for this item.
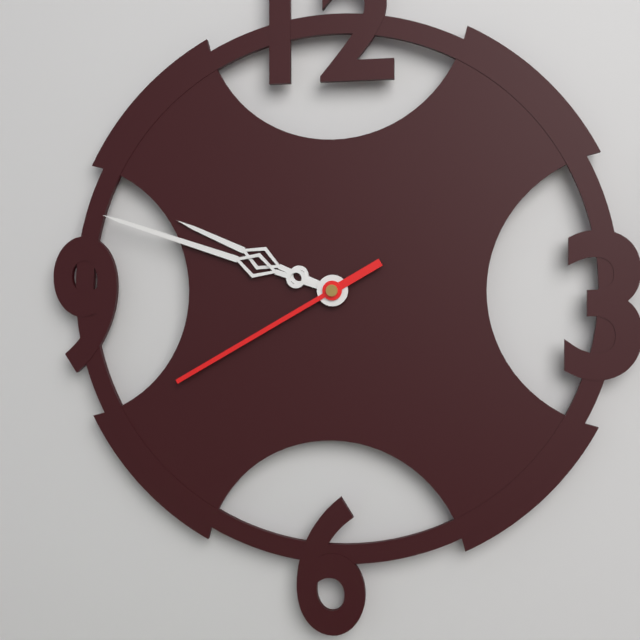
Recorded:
9,48,40
